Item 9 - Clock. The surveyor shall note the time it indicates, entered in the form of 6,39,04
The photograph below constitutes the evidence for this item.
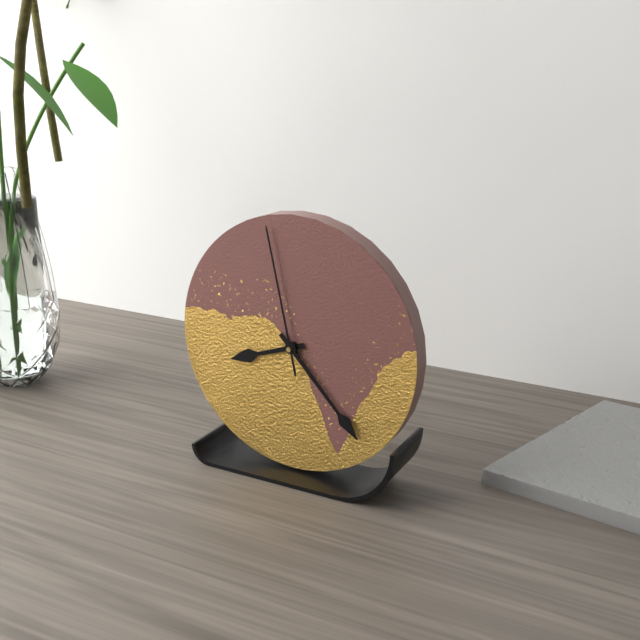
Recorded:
8,23,58
